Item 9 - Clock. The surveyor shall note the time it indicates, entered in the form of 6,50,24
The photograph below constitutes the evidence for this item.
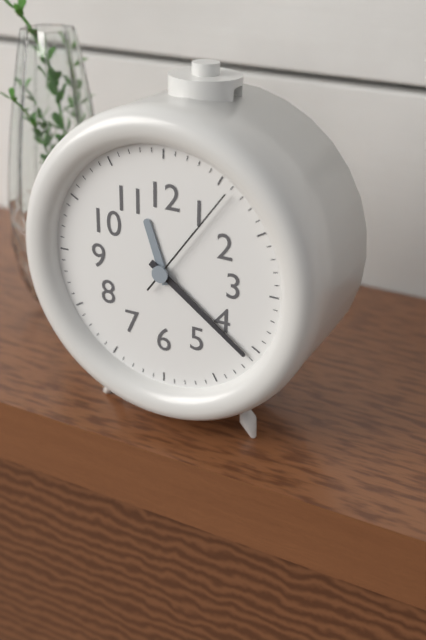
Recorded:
11,21,06
